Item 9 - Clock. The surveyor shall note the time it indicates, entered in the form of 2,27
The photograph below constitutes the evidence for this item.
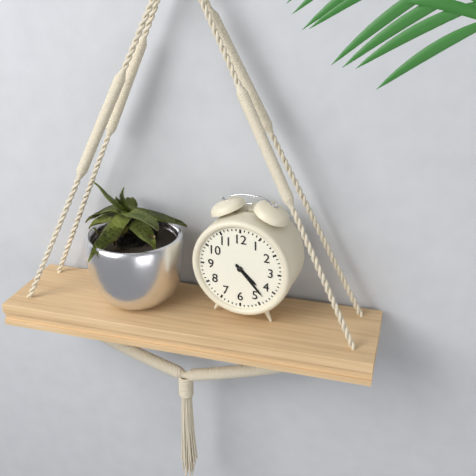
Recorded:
4,23
